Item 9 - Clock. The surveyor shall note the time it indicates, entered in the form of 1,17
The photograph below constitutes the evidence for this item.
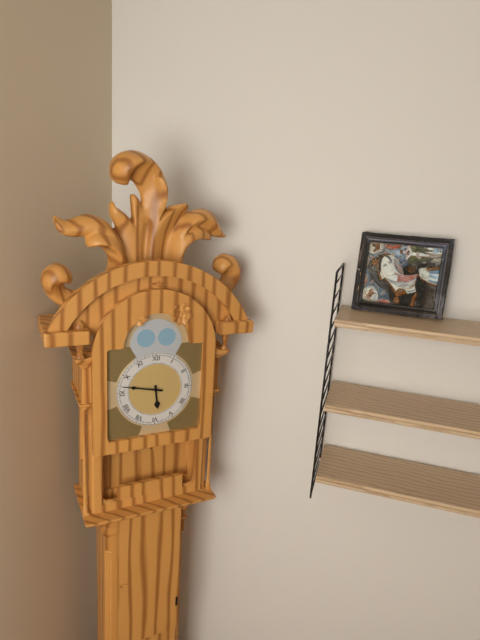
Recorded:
5,47
